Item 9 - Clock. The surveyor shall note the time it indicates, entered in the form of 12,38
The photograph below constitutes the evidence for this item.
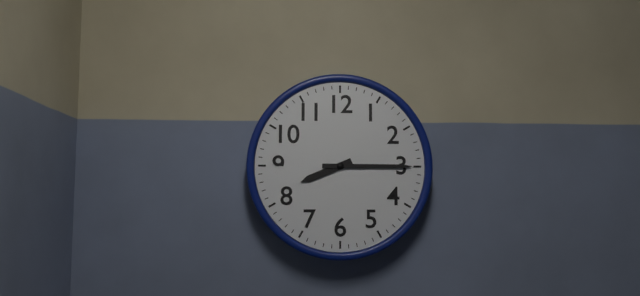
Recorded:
8,15
